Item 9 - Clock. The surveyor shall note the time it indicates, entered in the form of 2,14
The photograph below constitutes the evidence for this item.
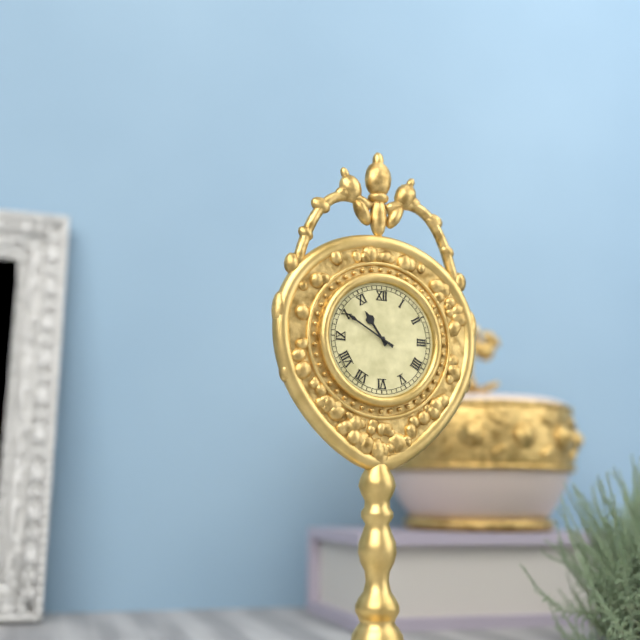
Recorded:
10,50
